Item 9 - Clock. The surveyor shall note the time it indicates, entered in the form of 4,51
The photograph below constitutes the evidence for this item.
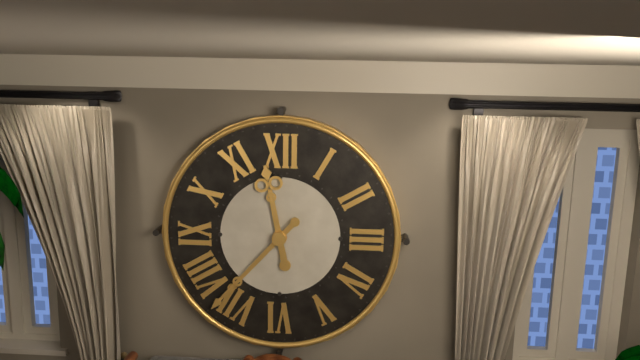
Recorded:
11,37
